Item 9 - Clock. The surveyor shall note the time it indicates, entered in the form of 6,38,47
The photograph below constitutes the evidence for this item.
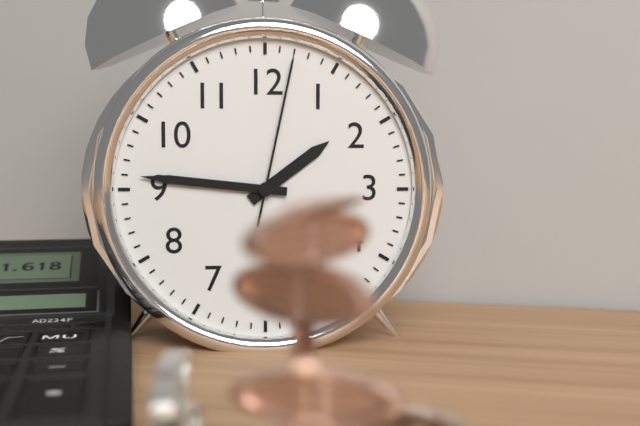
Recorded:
1,46,02
